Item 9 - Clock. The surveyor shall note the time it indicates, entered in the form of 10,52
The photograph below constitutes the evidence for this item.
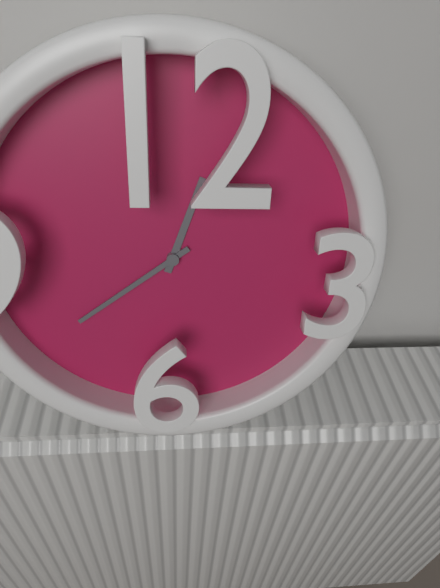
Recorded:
12,39
